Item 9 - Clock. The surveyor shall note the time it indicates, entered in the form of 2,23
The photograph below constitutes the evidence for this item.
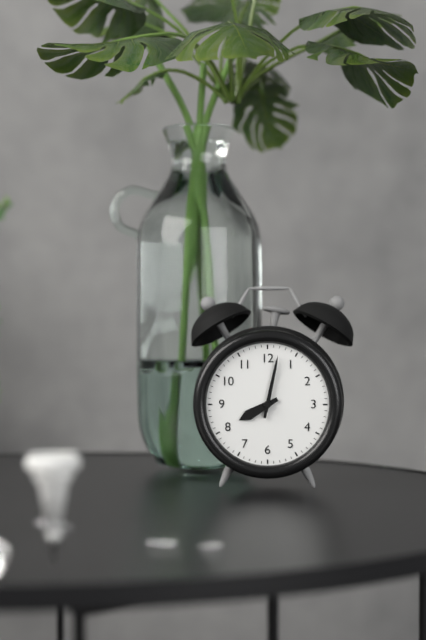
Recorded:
8,02
